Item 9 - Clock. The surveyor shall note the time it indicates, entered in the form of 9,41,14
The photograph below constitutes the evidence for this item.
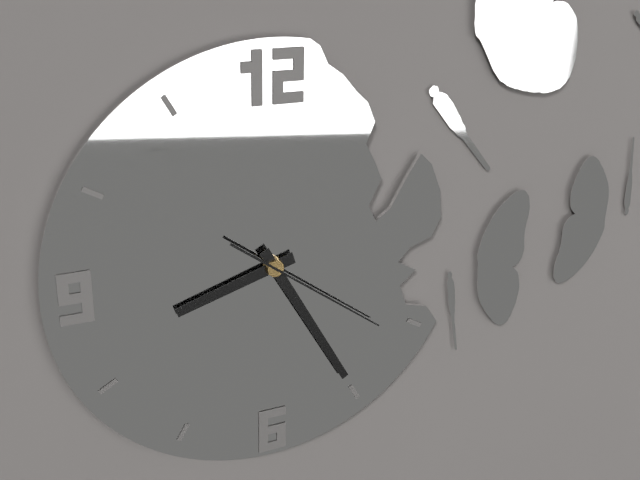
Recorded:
8,25,21
